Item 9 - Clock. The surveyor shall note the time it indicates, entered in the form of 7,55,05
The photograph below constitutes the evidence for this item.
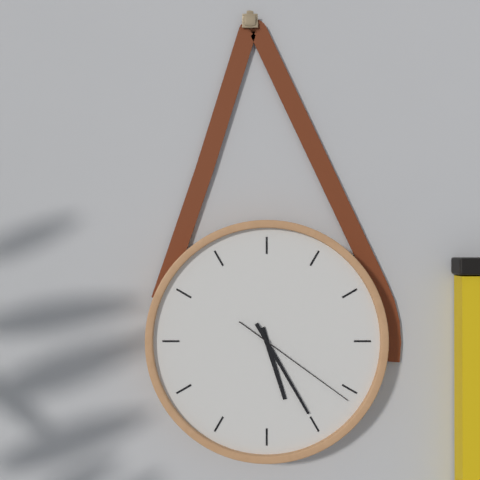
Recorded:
5,25,21
